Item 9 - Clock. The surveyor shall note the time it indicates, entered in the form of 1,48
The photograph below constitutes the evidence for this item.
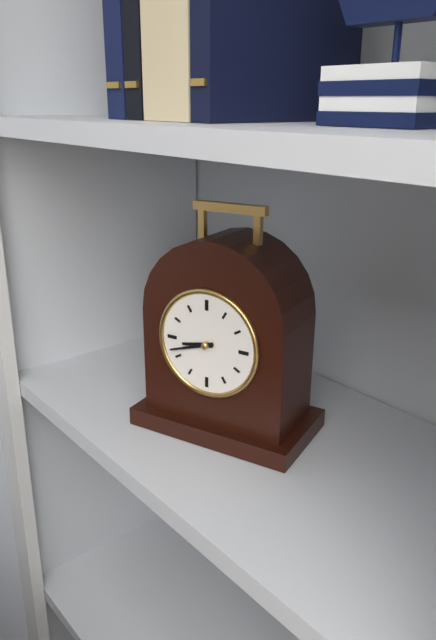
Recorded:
8,42
